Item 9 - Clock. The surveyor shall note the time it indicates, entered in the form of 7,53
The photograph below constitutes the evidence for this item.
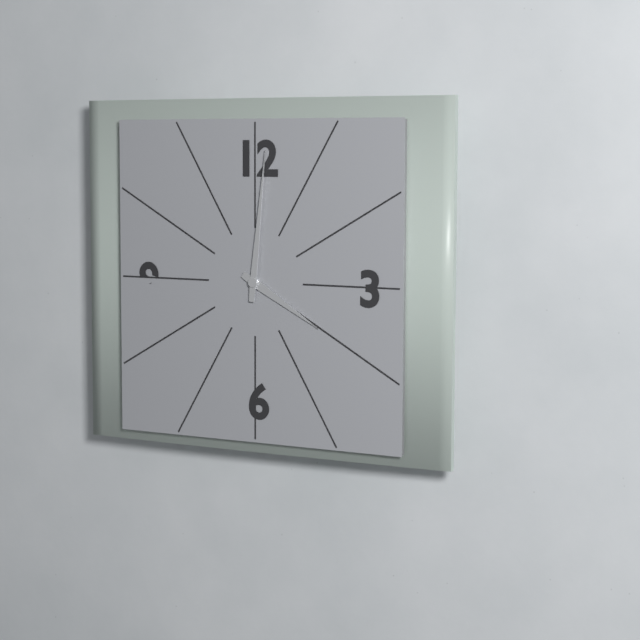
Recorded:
4,01
